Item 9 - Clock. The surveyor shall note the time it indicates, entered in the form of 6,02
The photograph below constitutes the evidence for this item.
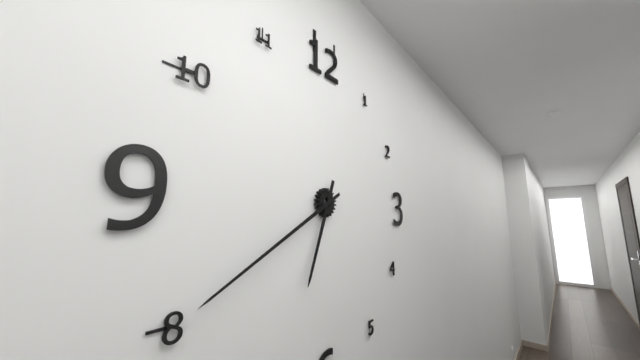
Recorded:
6,40
